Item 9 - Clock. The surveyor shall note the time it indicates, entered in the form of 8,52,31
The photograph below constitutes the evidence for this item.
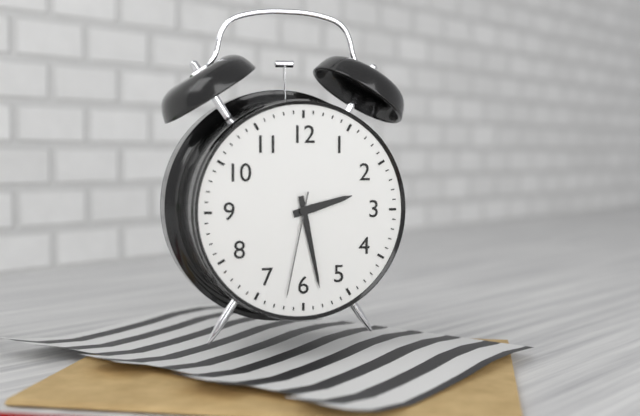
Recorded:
2,28,32
